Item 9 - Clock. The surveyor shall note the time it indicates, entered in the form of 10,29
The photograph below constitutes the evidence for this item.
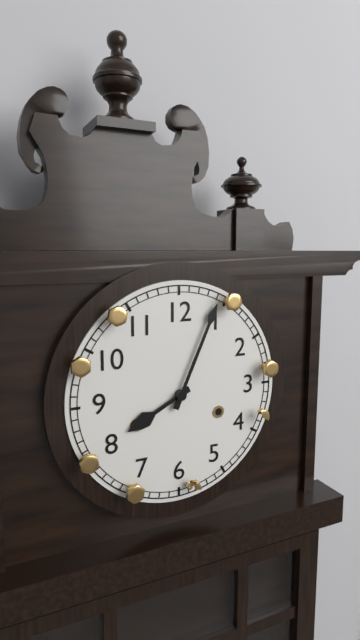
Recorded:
8,04
